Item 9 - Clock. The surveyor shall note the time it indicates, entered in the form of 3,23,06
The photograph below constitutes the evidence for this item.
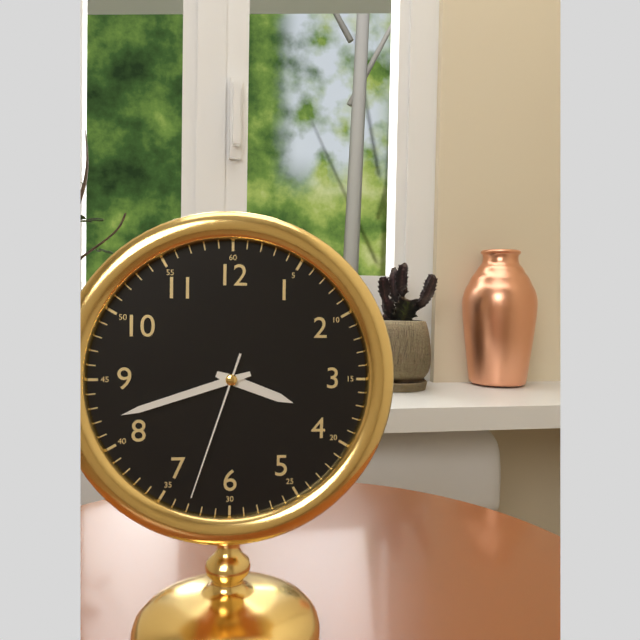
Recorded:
3,42,33
